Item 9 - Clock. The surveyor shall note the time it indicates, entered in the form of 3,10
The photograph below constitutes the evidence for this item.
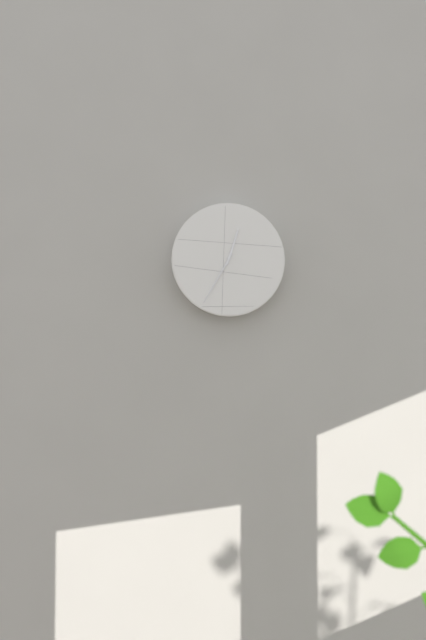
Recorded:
12,35
